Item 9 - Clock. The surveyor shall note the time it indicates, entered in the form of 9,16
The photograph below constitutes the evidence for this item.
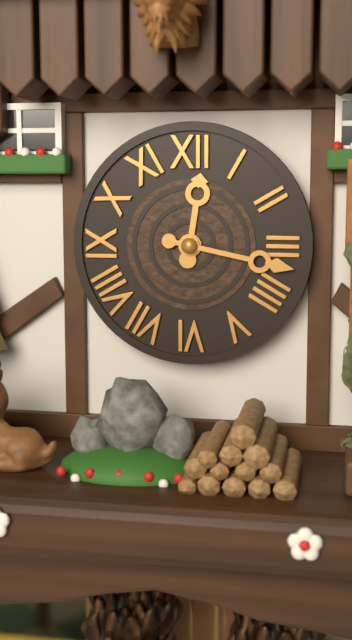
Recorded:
12,17
